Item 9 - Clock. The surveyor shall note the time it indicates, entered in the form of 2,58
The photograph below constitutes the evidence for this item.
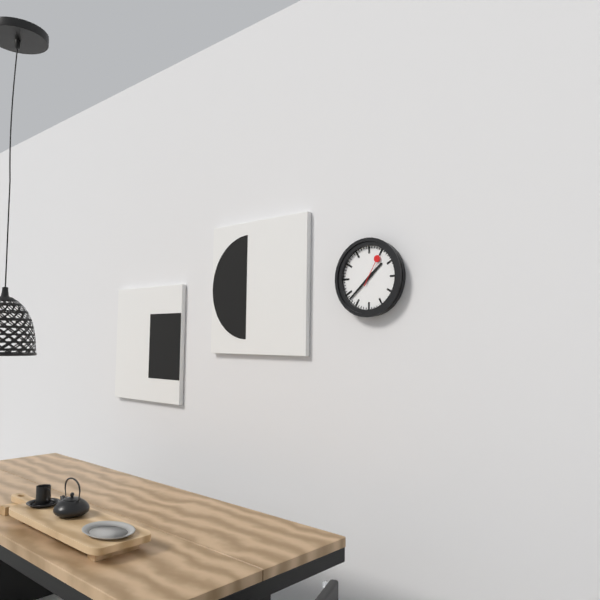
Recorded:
1,38
